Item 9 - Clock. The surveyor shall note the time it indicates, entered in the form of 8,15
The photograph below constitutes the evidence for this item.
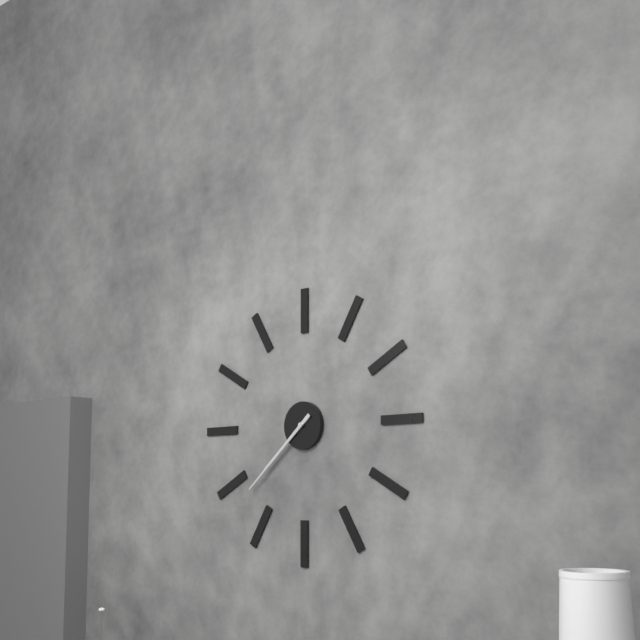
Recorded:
7,38
